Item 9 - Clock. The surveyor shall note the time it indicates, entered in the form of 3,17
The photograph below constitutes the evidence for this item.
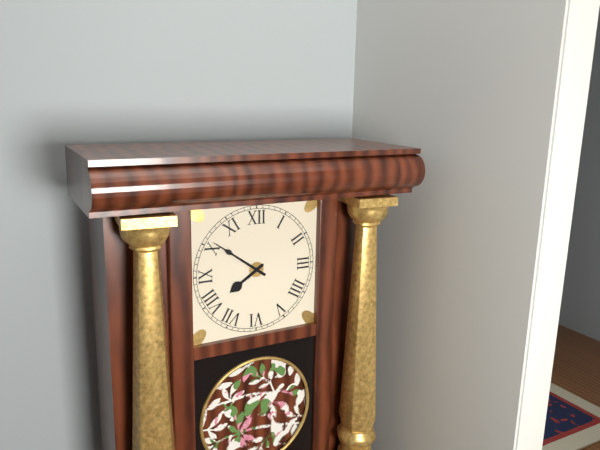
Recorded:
7,51
